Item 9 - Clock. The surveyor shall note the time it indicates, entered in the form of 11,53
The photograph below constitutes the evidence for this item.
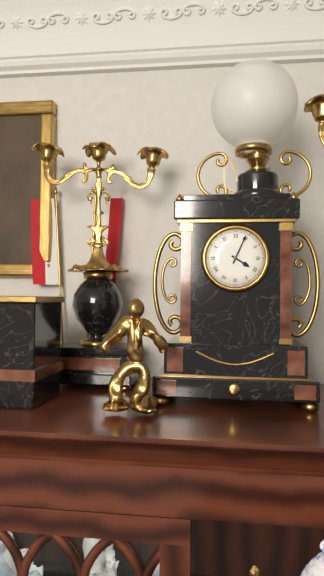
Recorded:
4,04
